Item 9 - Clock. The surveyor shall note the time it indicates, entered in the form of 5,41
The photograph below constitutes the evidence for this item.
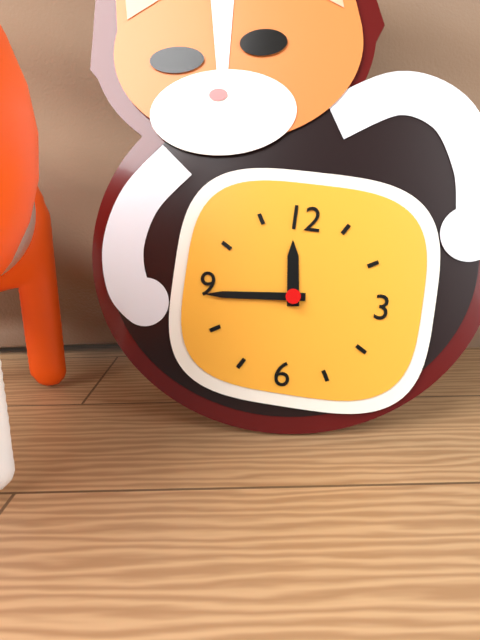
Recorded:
11,44
